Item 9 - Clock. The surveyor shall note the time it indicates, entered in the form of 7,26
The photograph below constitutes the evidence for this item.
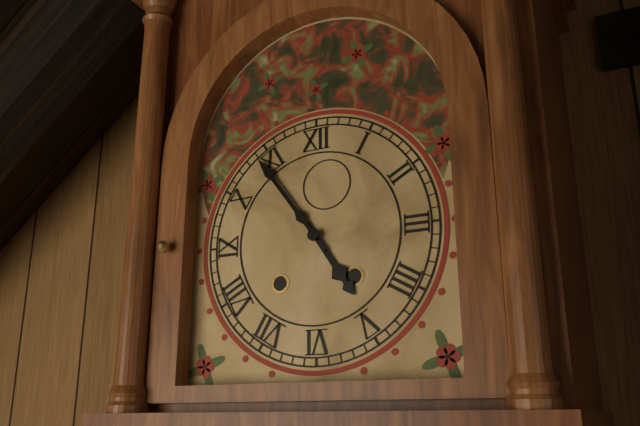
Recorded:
4,54
